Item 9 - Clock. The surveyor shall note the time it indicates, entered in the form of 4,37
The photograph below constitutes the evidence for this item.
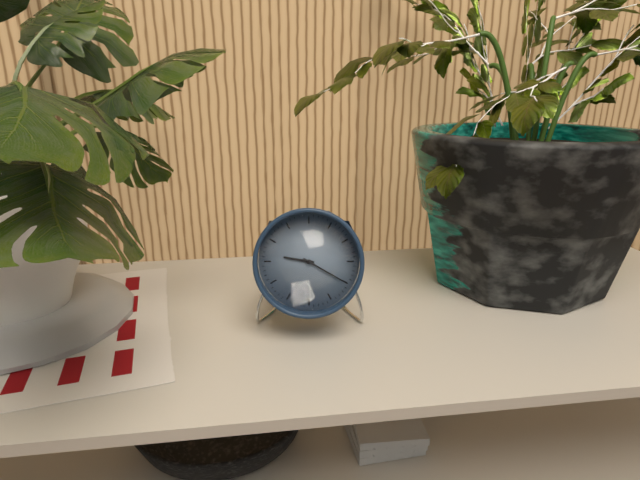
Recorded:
9,20
